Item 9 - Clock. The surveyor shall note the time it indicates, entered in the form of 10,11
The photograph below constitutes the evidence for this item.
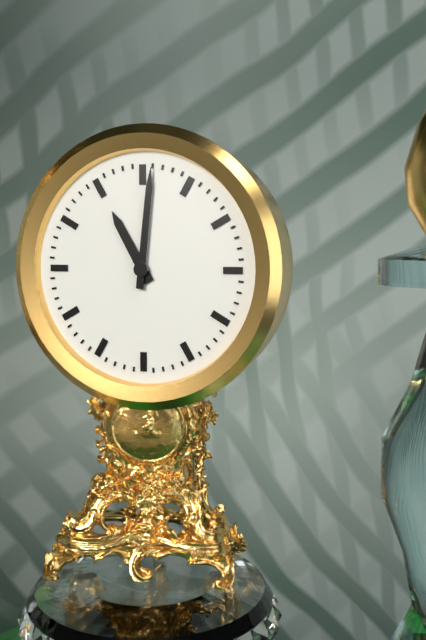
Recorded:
11,01
